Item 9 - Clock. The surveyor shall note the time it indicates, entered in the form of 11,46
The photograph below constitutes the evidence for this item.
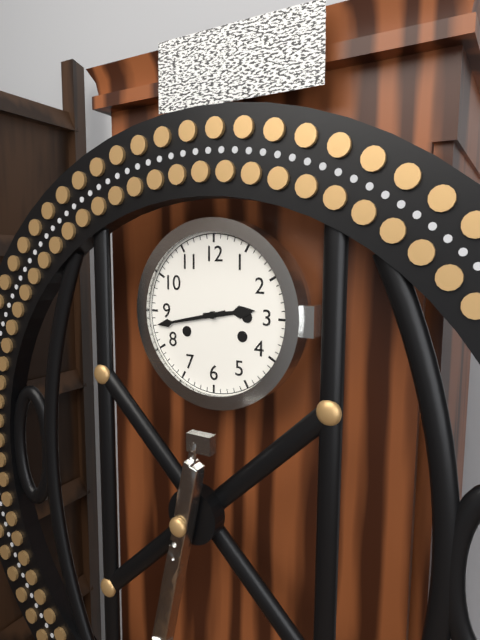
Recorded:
2,43
